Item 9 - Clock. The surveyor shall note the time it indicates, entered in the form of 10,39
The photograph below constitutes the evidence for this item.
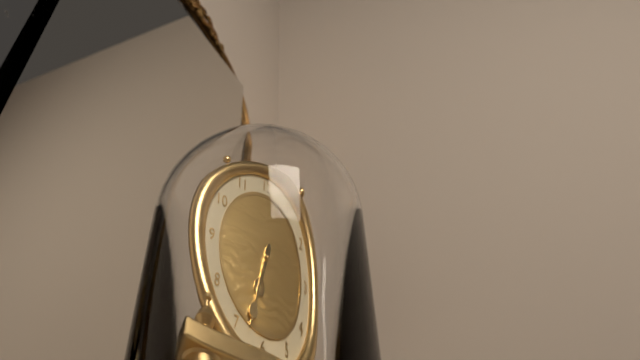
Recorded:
6,33
